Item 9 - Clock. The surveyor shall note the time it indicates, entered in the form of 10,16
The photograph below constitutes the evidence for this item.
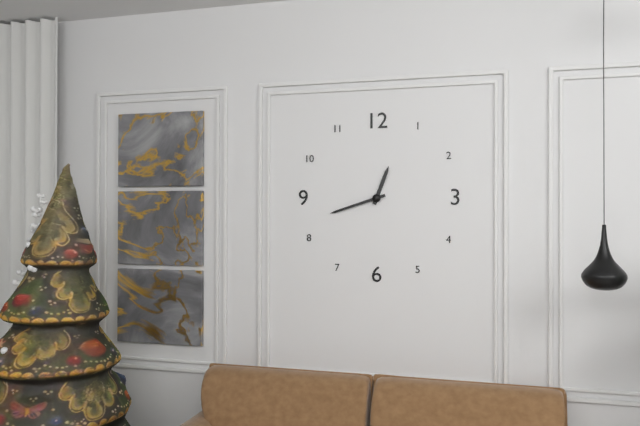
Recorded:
12,42
